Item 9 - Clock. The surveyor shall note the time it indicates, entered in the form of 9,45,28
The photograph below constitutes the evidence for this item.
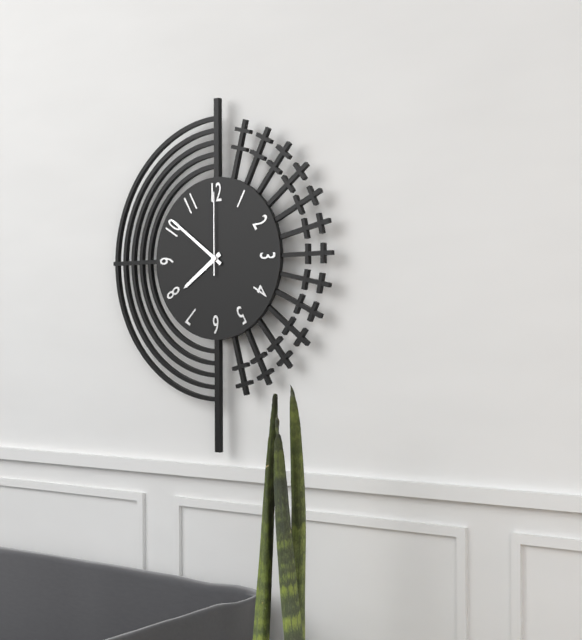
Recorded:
7,51,00
